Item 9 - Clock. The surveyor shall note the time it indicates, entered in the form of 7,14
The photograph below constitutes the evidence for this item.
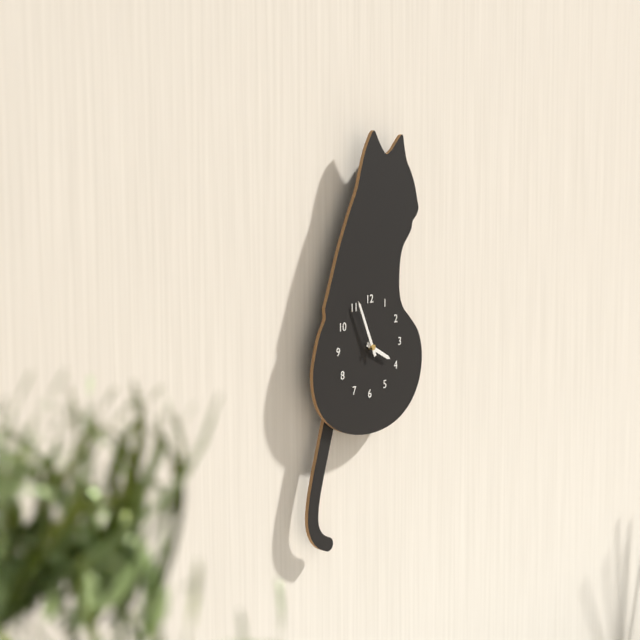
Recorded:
3,56
